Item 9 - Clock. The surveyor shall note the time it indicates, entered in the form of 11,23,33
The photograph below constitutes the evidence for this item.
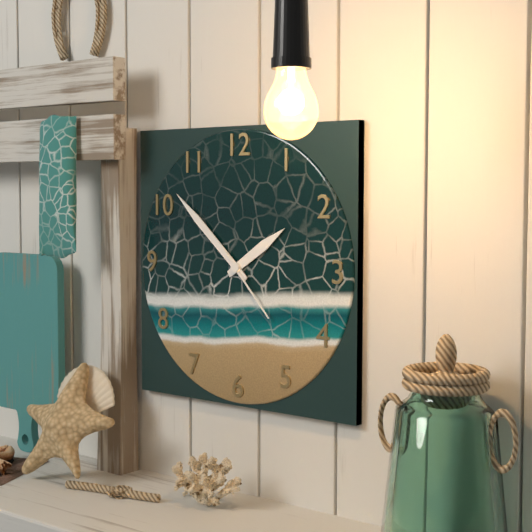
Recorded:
1,52,23
